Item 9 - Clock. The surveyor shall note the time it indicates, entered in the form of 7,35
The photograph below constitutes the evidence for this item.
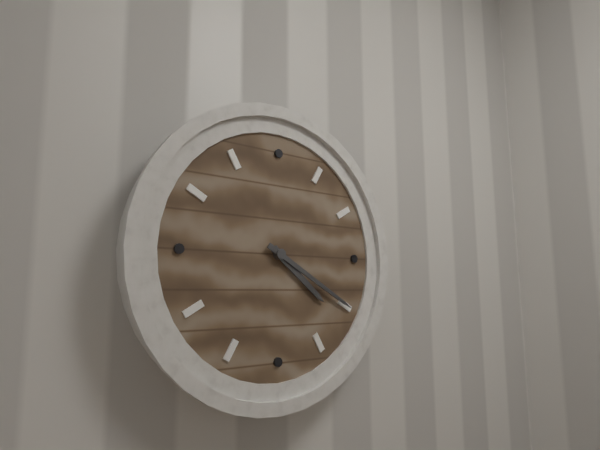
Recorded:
4,20
